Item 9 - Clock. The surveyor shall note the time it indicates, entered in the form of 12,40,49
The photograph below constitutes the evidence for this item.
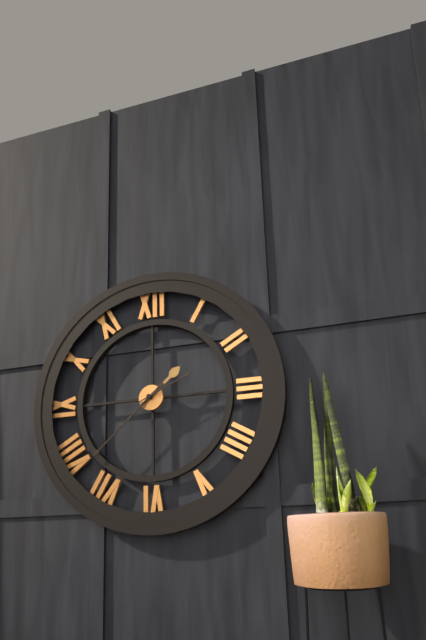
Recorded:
1,38,11
